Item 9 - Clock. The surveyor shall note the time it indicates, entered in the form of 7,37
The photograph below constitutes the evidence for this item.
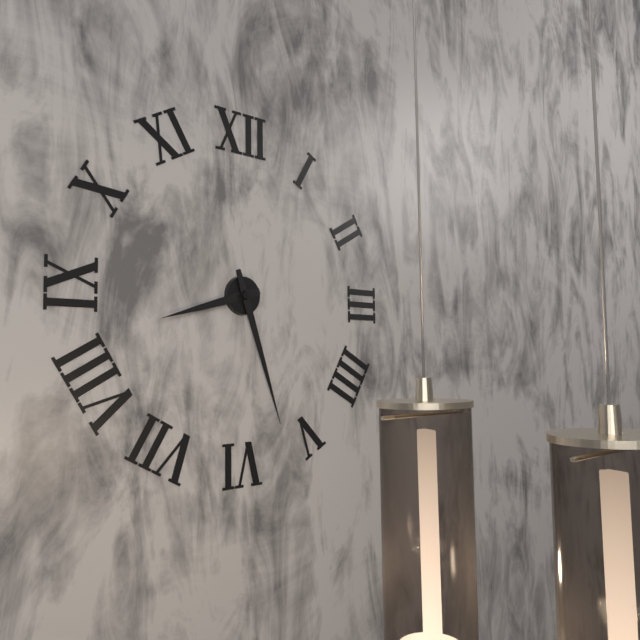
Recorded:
8,27
